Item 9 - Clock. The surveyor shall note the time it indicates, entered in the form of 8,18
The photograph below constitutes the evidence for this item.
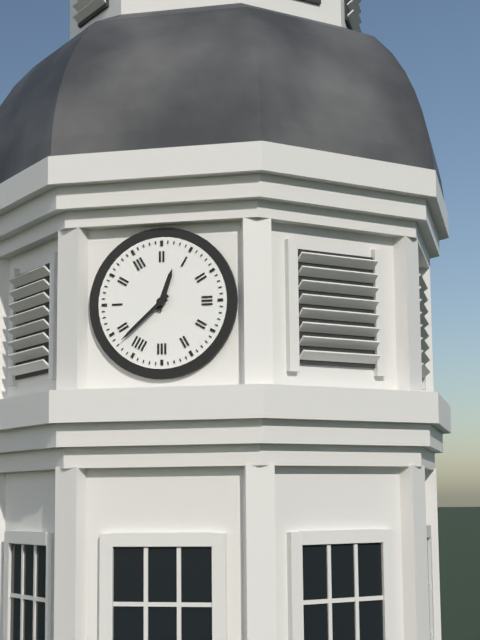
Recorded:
12,38
